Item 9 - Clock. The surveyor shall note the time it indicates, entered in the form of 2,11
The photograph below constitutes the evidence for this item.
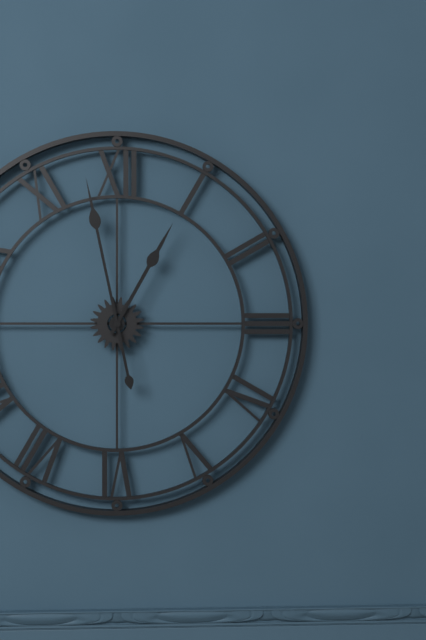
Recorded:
12,58
